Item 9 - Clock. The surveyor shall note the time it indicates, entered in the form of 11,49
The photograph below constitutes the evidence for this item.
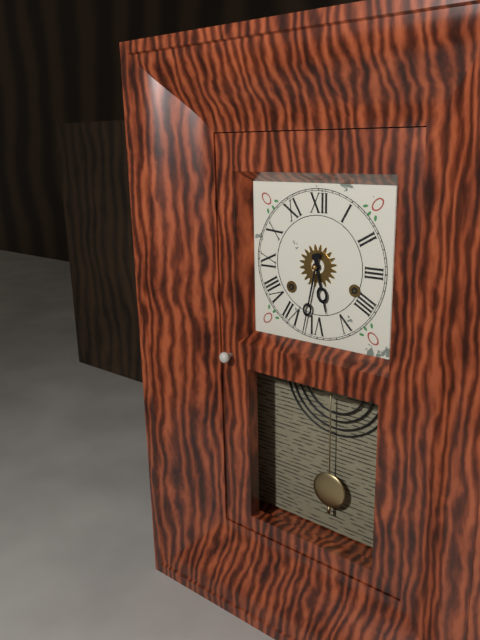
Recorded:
5,32
